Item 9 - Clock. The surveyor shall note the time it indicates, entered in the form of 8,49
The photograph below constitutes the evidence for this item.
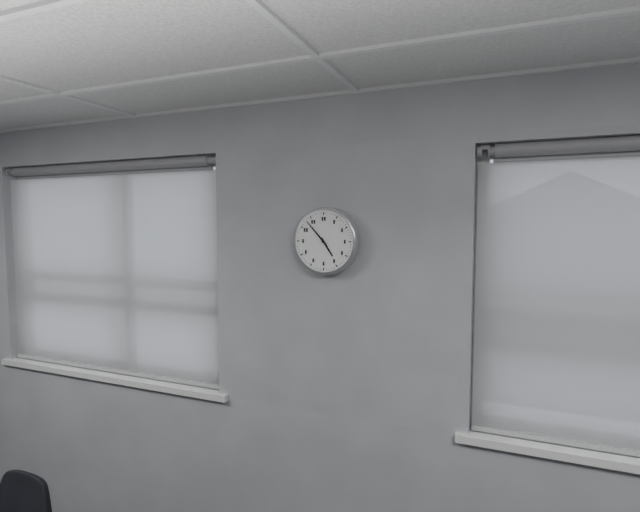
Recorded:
4,53
